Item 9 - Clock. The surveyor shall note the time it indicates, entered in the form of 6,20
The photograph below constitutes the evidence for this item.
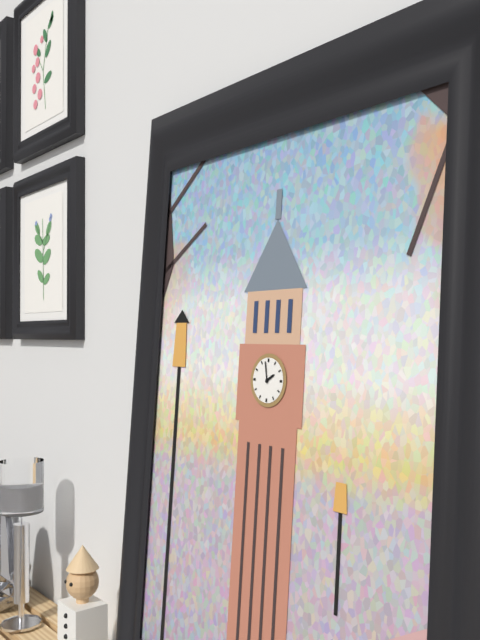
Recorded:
1,58
